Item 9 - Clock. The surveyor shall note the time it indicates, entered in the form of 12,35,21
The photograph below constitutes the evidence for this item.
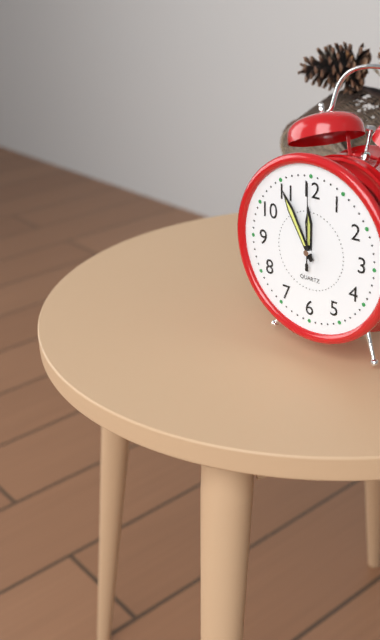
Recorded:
11,55,00
